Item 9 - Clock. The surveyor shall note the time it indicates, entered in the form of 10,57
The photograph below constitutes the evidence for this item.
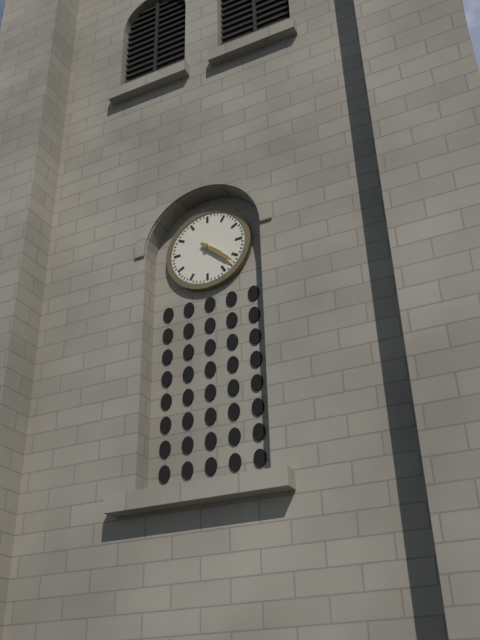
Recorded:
4,22
